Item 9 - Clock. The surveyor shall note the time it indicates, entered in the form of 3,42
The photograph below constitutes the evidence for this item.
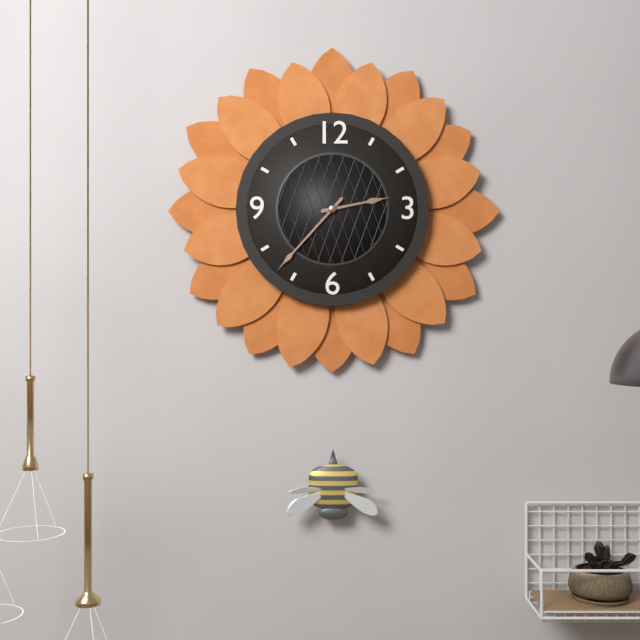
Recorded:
2,37
